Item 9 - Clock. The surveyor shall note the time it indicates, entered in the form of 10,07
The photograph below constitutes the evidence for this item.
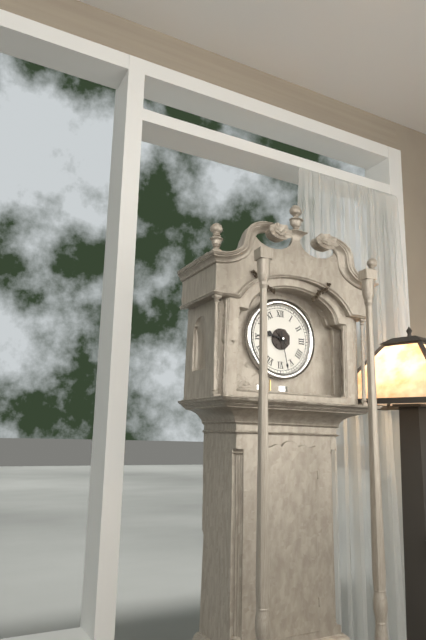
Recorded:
9,28
